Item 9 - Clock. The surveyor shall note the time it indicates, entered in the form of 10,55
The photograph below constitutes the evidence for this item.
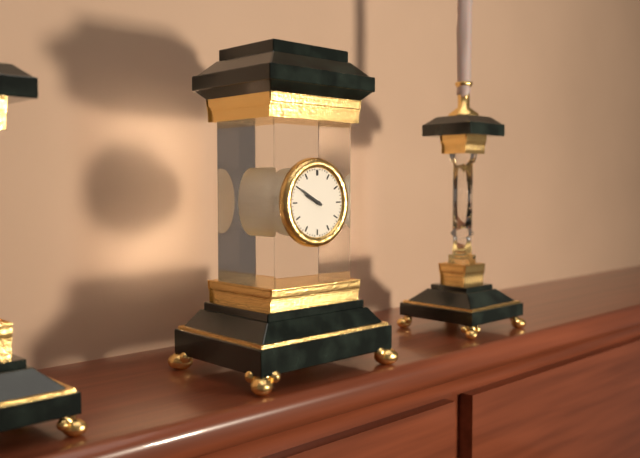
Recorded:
9,50
